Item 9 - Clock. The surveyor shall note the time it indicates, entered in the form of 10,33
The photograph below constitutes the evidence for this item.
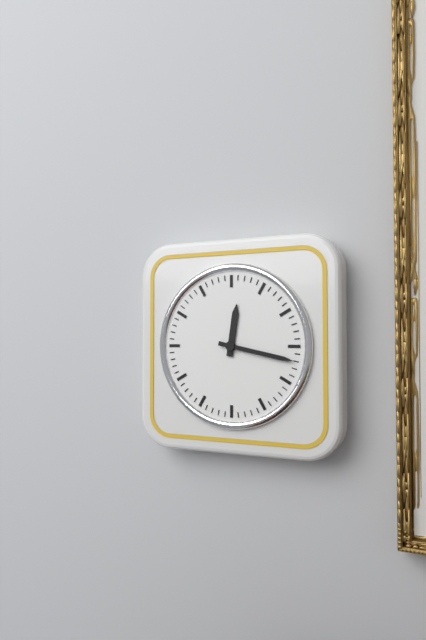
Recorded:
12,17
